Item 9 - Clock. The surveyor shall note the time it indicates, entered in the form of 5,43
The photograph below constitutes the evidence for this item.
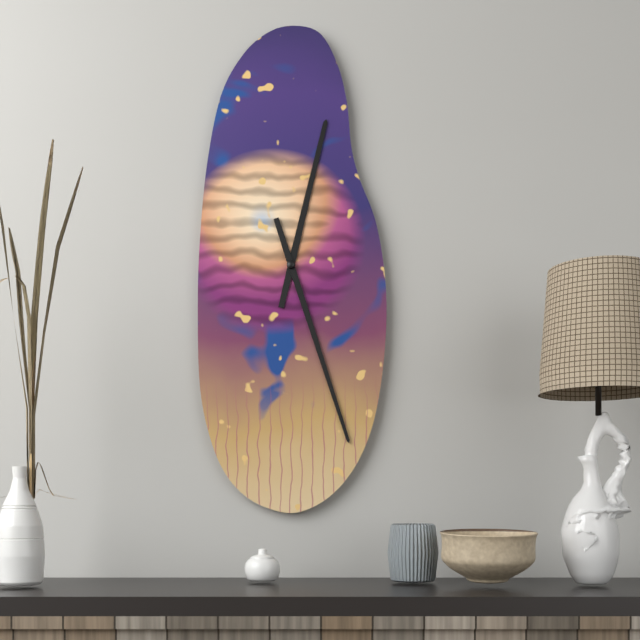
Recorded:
12,27
